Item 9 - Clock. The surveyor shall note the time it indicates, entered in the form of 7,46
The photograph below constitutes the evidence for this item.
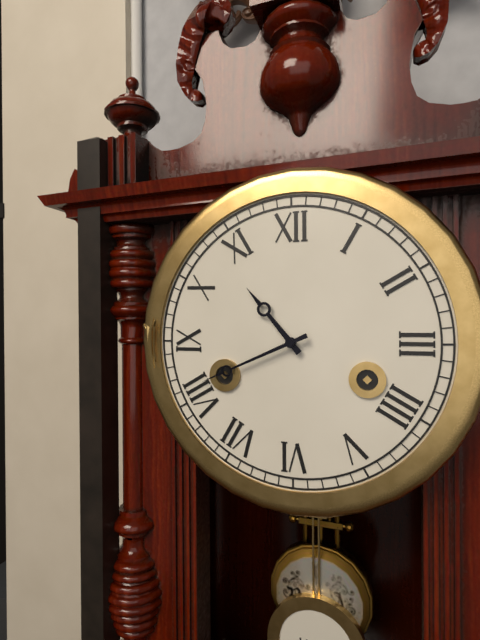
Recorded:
10,41
